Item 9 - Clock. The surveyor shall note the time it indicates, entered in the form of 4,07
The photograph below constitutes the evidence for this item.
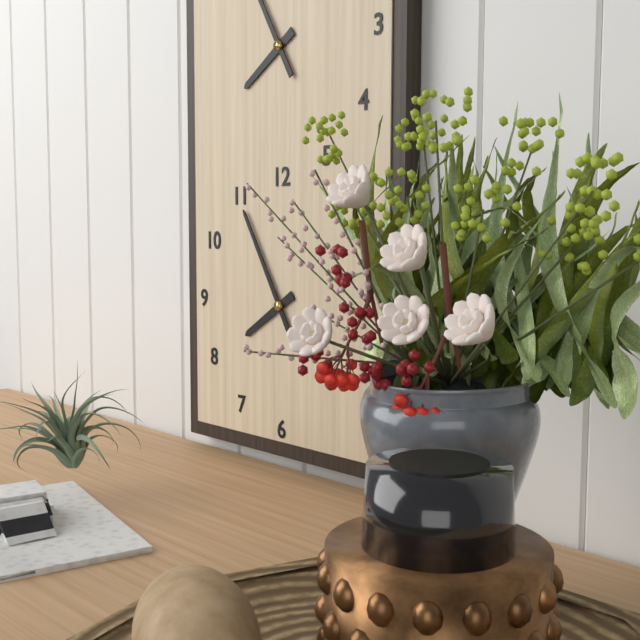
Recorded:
7,55
